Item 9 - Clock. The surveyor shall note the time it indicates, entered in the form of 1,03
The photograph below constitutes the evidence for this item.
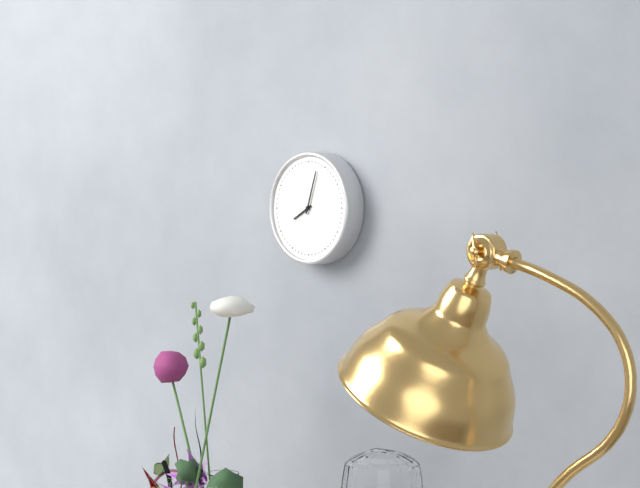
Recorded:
8,03
